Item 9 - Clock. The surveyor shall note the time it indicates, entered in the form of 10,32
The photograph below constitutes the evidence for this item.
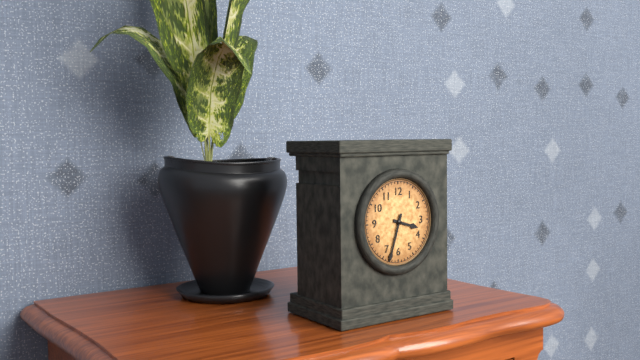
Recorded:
3,33
